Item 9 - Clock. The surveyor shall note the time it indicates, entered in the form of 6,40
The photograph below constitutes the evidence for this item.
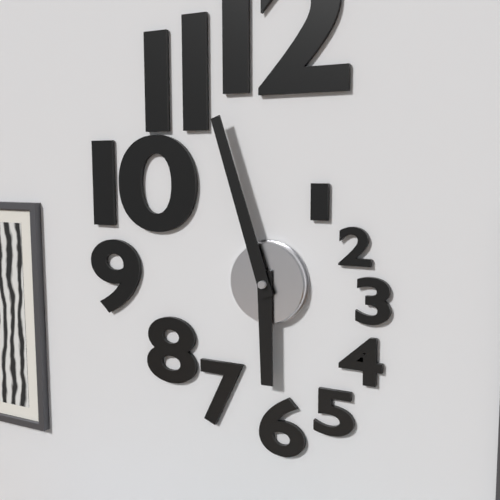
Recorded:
5,57
